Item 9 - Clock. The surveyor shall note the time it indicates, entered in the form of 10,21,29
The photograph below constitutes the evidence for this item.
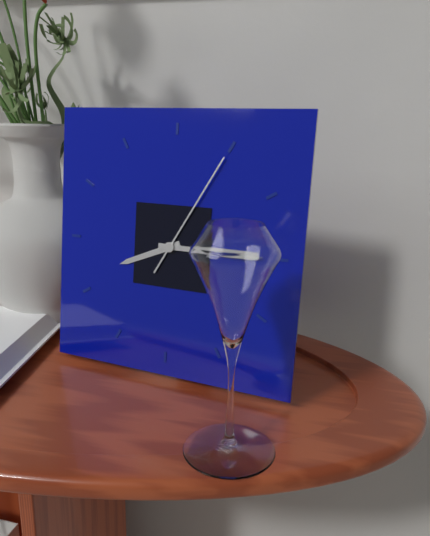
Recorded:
8,15,05
